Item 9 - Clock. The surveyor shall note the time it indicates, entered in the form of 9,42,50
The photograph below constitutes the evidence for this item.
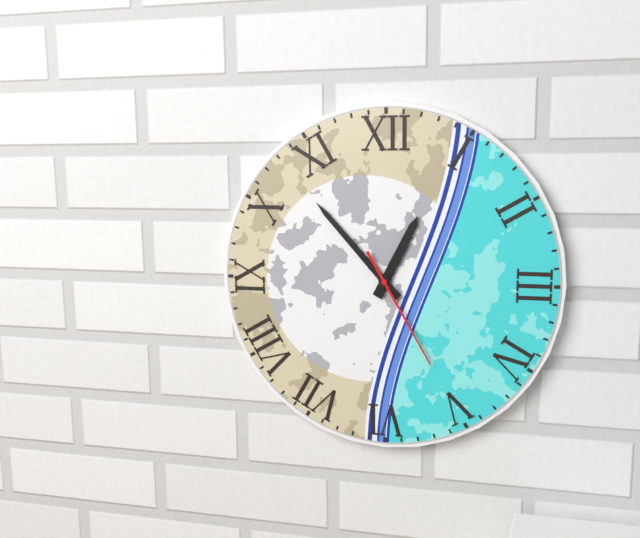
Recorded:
12,53,25
